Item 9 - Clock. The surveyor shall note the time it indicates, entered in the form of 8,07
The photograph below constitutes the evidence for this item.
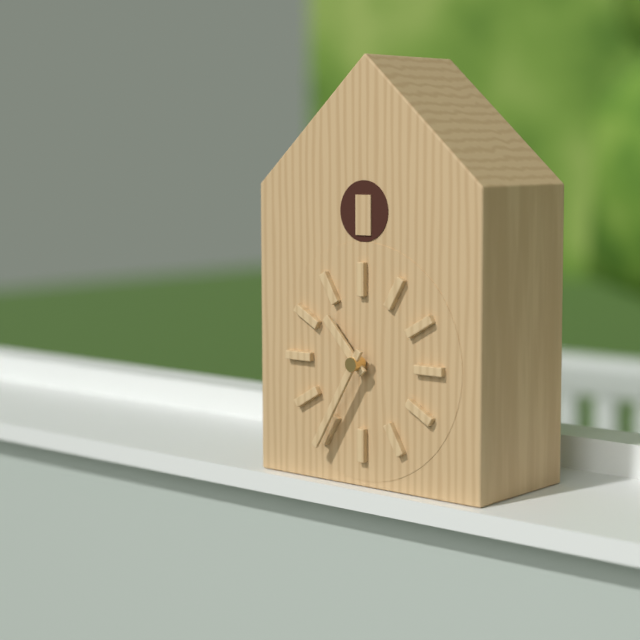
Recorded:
10,35
